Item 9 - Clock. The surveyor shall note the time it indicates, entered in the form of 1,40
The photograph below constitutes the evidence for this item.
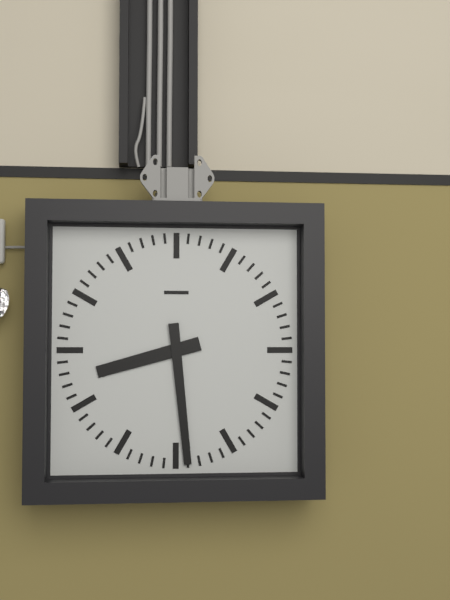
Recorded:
8,29
